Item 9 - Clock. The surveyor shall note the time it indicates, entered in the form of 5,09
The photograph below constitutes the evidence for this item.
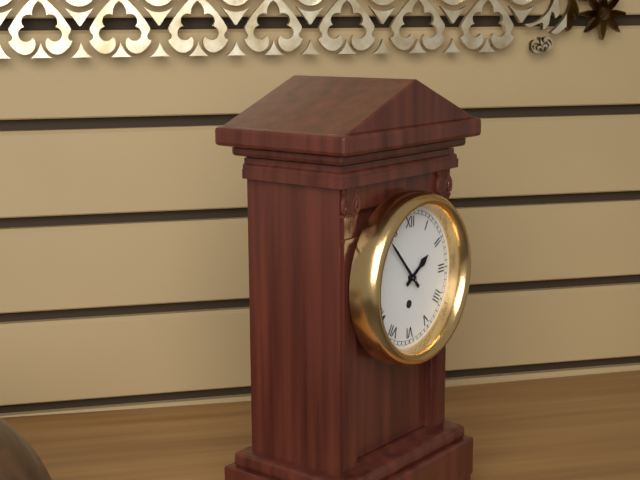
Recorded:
1,53
